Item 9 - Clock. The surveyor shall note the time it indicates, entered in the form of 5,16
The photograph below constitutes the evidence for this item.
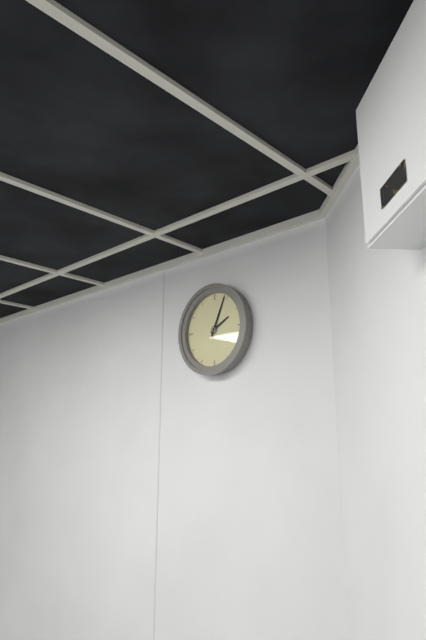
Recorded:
2,04
